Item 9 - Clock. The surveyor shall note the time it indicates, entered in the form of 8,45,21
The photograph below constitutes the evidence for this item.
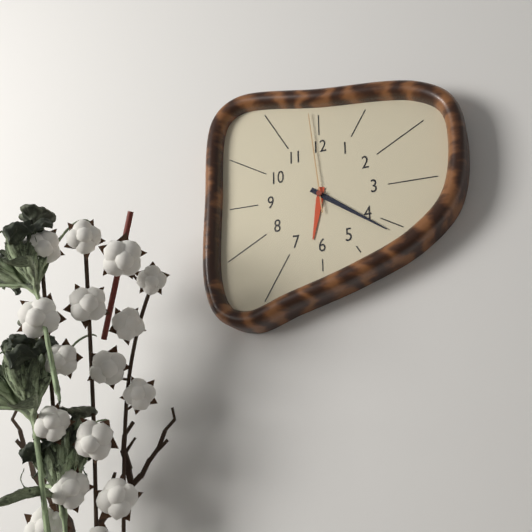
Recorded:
6,21,59
